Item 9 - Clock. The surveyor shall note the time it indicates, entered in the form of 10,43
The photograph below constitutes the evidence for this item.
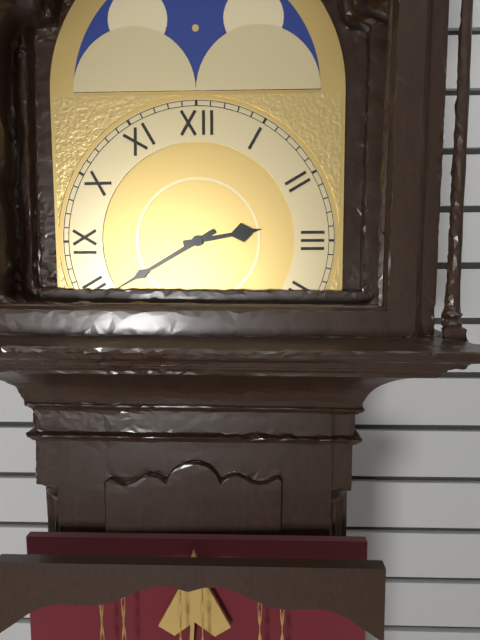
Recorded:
2,40
